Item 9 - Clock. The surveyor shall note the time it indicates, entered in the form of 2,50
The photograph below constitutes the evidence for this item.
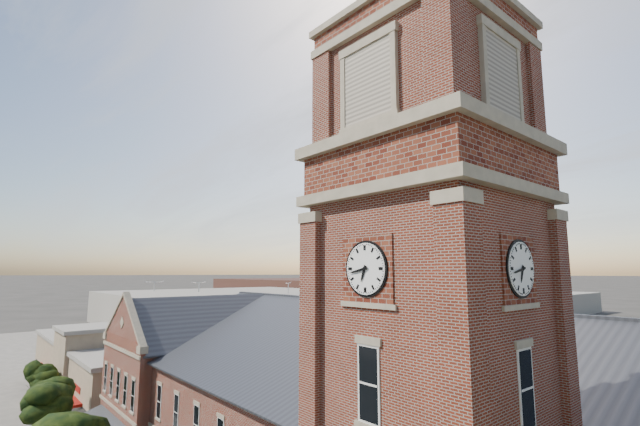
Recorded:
6,43
